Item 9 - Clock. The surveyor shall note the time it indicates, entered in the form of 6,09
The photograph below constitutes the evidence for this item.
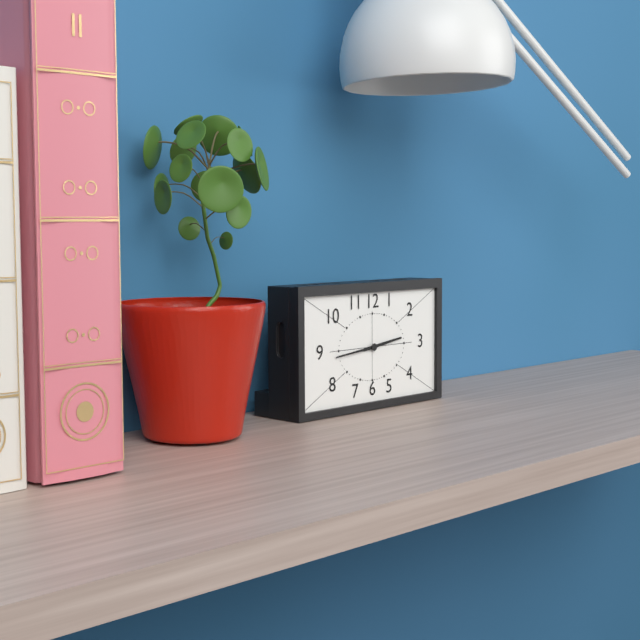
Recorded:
2,44
